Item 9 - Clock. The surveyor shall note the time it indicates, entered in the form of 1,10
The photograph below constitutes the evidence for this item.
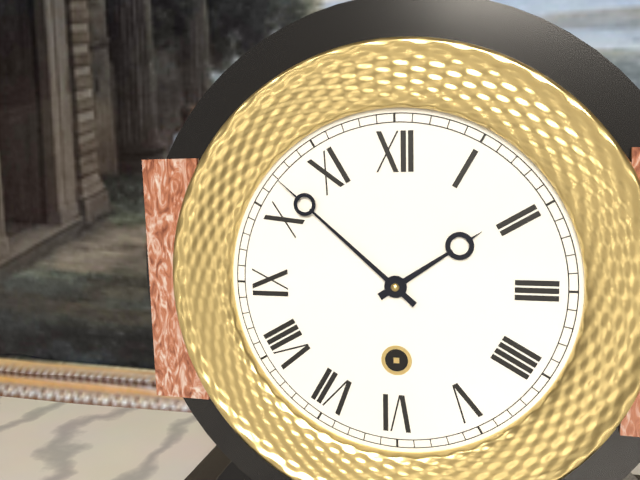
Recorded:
1,52
